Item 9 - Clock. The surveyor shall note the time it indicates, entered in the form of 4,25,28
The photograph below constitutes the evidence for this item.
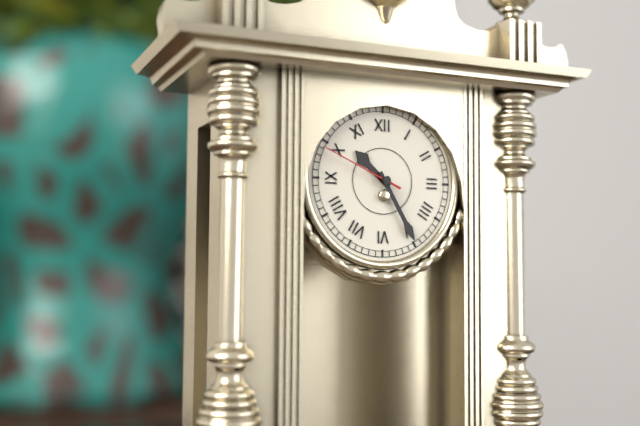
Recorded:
10,25,49
